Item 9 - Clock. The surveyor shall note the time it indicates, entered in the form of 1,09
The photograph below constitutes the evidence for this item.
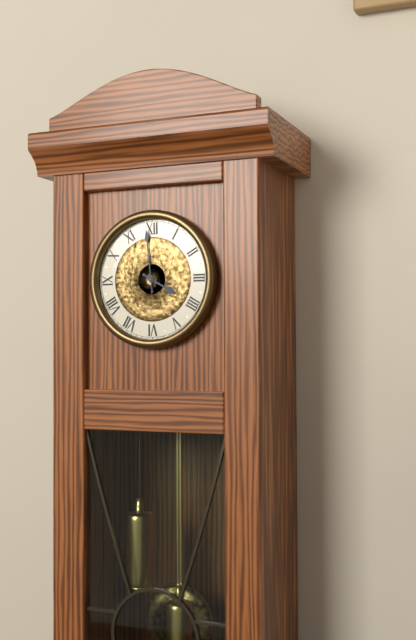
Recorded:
3,59
